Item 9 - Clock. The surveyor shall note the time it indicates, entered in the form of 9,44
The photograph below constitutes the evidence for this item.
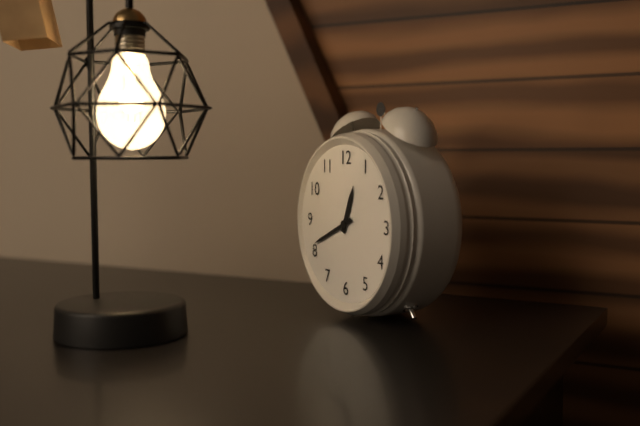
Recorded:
12,41
